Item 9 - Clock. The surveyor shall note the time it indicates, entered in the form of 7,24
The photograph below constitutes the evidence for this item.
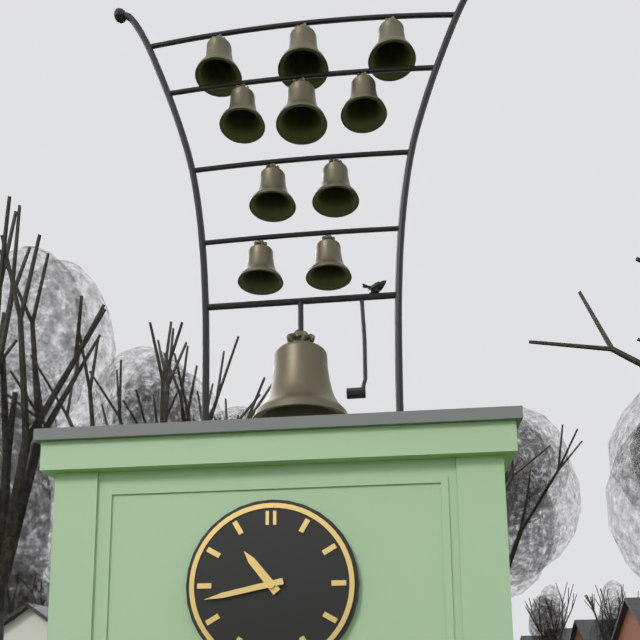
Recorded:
10,43
